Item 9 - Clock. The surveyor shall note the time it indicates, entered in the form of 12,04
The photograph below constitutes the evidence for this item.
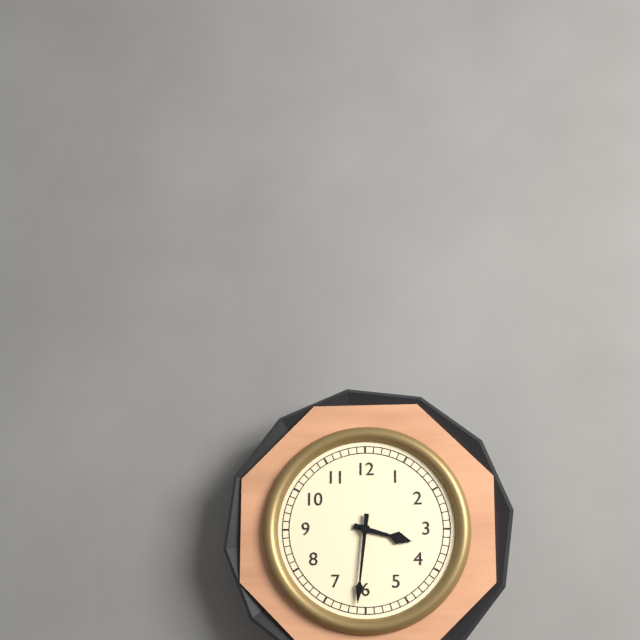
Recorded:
3,31
